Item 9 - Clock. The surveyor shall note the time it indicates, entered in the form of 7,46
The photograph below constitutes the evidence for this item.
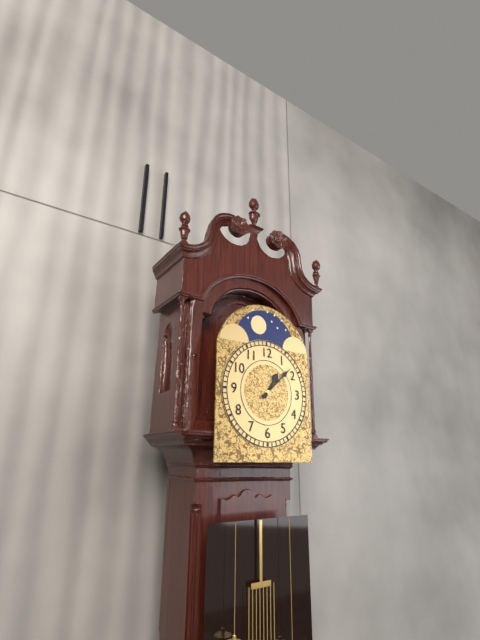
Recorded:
1,08
